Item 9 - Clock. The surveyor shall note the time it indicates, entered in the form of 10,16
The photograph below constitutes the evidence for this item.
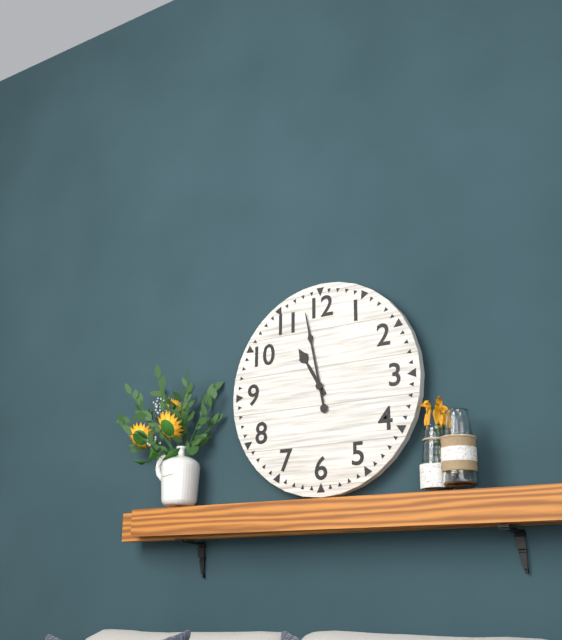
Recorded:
10,58
